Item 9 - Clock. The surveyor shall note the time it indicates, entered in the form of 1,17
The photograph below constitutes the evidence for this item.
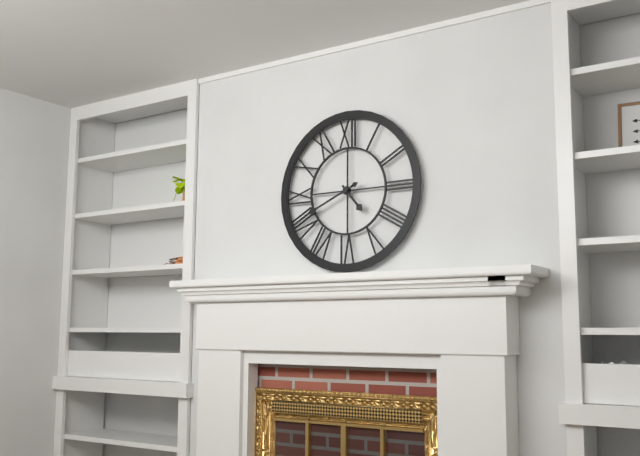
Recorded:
4,41
